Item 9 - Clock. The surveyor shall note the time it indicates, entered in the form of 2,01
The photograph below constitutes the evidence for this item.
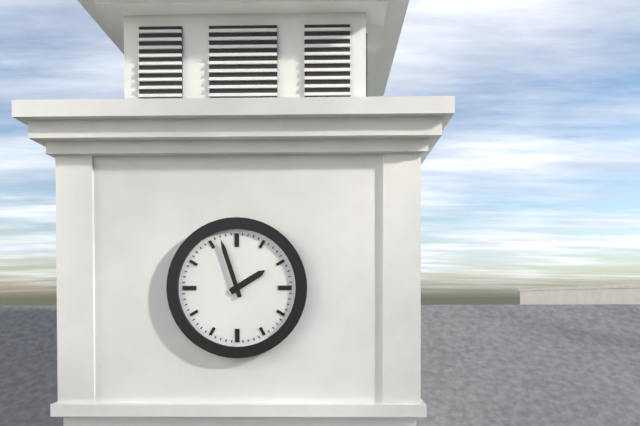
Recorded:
1,57
